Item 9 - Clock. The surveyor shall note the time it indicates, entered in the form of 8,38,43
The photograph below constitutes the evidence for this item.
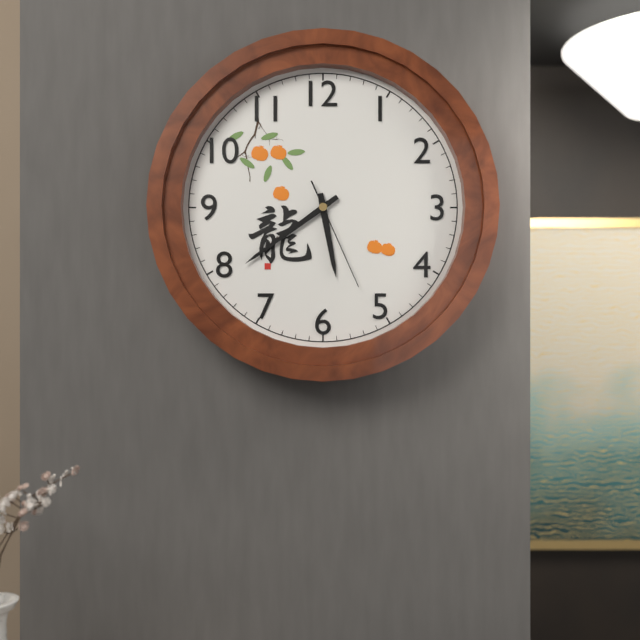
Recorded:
5,39,26
